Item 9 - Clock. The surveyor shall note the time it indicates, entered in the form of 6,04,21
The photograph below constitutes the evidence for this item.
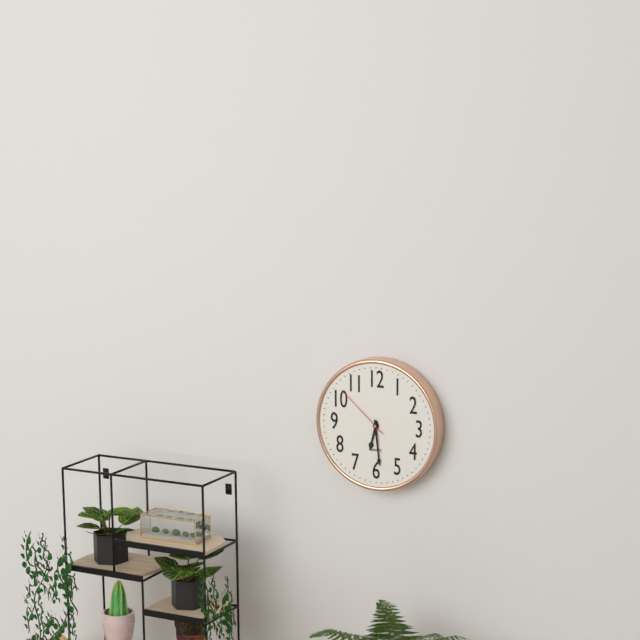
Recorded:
6,29,52
